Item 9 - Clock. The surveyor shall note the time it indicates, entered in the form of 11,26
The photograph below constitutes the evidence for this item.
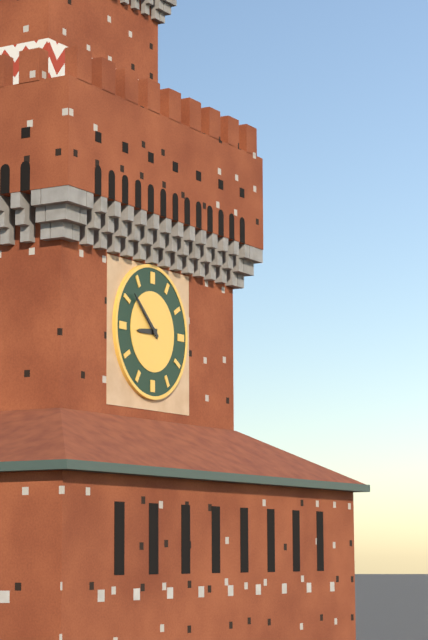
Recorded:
8,52
